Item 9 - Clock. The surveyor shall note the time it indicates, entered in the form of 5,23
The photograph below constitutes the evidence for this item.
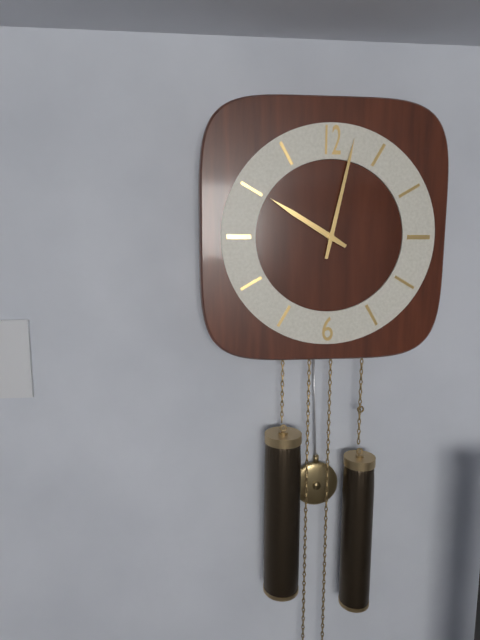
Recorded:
10,02
